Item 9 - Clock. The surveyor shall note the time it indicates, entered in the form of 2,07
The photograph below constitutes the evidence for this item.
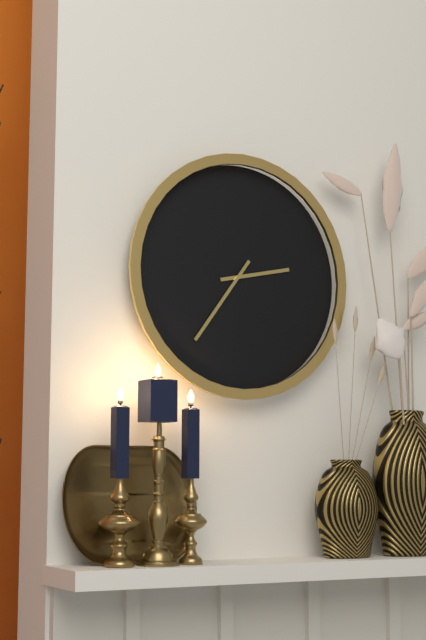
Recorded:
2,36
